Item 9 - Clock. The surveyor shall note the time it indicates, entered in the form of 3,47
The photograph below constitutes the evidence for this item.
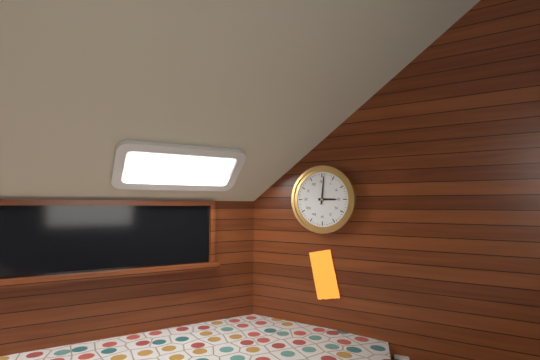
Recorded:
3,01
